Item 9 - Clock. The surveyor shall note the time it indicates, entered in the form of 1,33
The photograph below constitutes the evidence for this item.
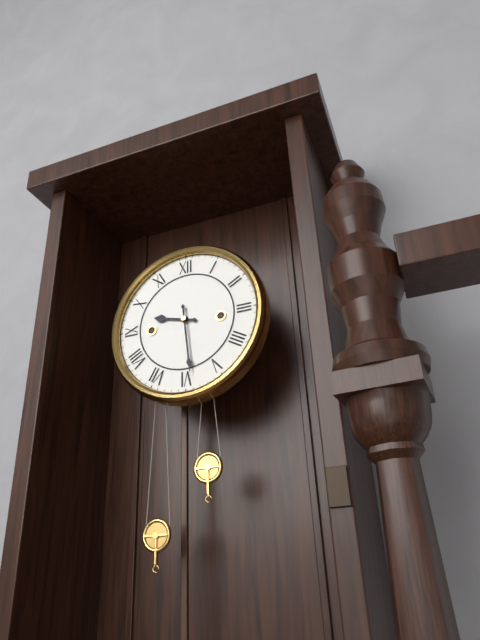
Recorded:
9,29
